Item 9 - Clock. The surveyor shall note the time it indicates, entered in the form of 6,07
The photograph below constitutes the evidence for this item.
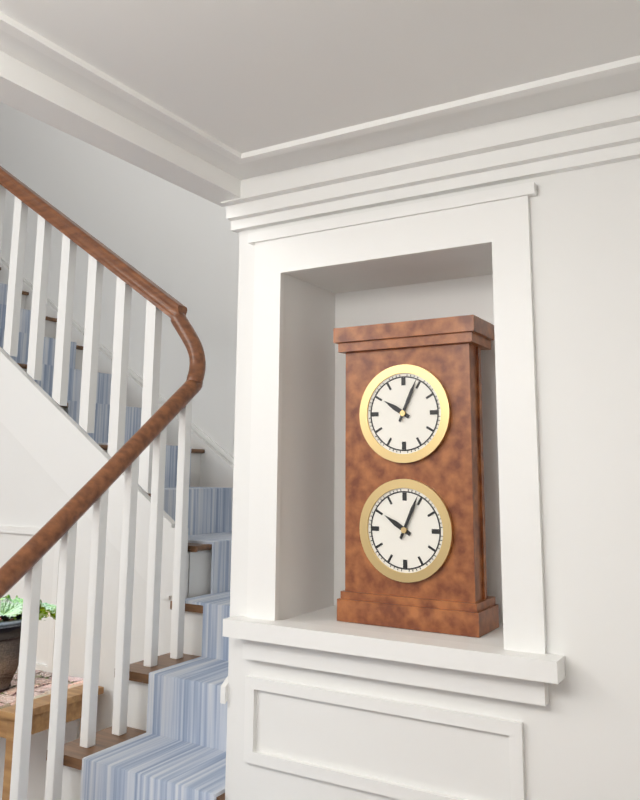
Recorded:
10,04
